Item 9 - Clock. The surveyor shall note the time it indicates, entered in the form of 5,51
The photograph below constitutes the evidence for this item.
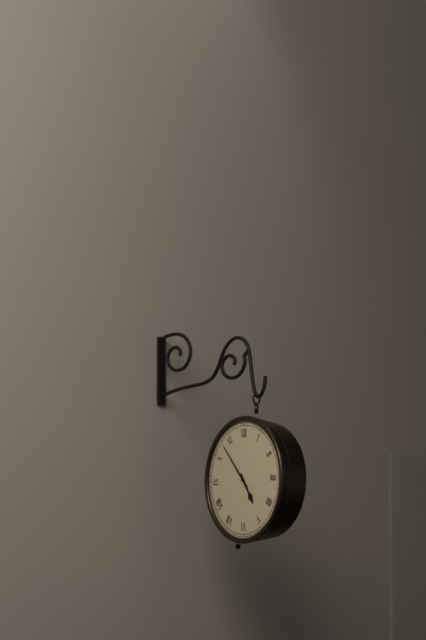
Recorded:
4,53
